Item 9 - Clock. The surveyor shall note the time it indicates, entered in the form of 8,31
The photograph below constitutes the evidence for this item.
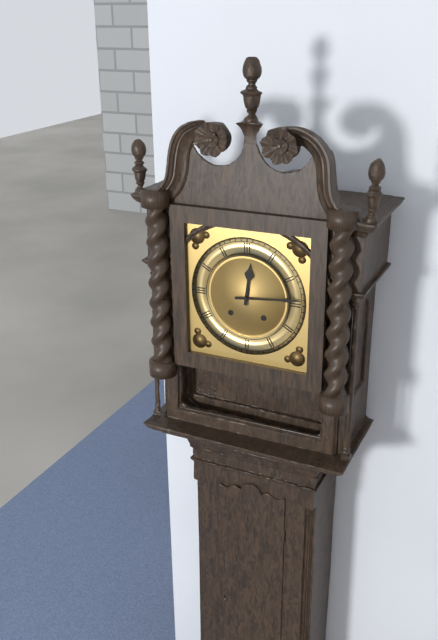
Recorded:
12,14
